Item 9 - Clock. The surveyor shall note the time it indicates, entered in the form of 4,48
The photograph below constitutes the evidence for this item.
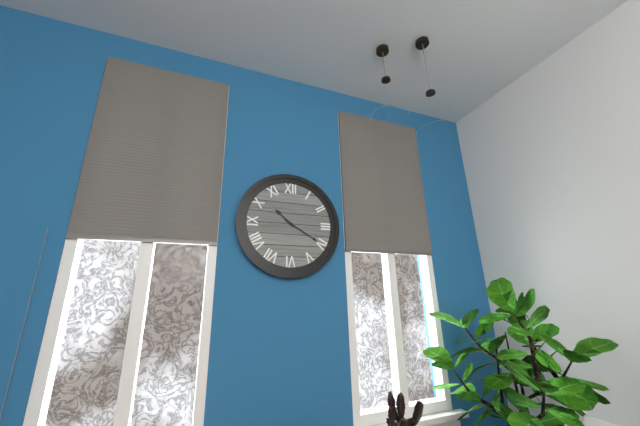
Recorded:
10,20
